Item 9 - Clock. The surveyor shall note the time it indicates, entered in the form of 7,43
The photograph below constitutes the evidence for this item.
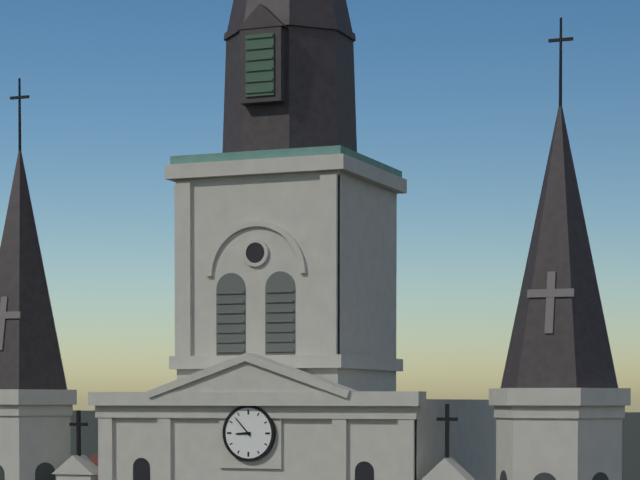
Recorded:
8,53
